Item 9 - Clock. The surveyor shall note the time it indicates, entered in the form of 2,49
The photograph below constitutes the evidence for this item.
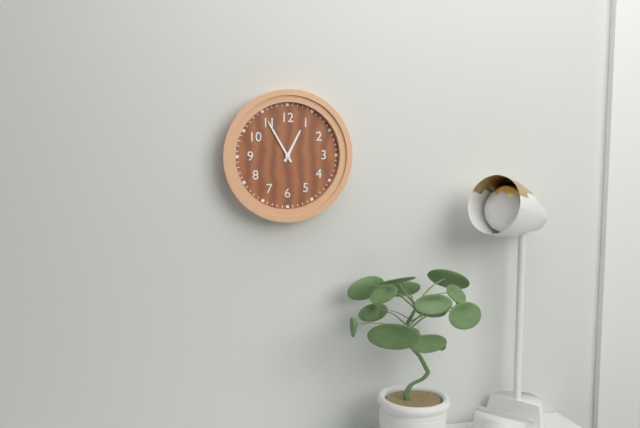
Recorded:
12,55
